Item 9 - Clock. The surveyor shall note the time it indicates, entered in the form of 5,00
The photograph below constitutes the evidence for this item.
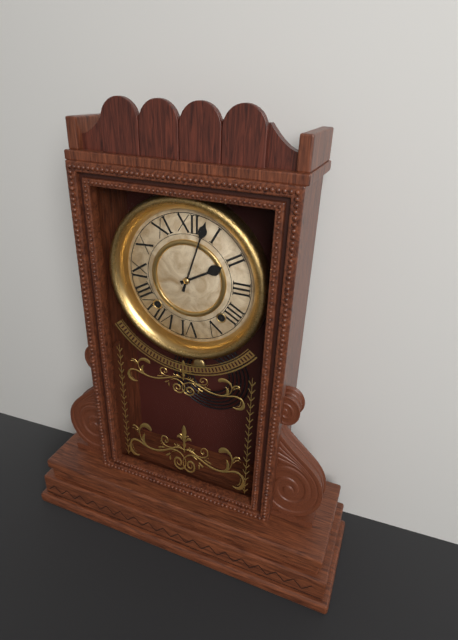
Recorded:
2,03
